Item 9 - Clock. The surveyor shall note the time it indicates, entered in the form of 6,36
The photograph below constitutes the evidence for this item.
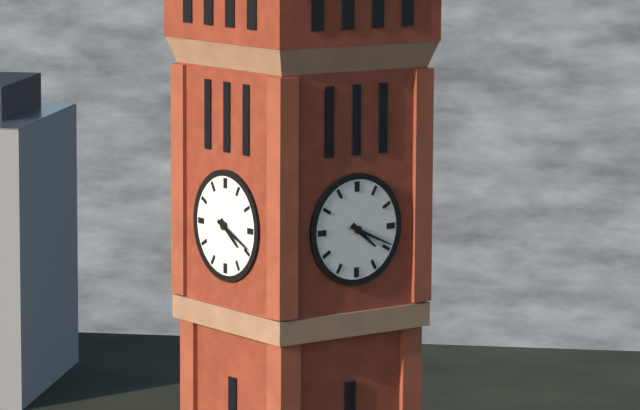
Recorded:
4,19
